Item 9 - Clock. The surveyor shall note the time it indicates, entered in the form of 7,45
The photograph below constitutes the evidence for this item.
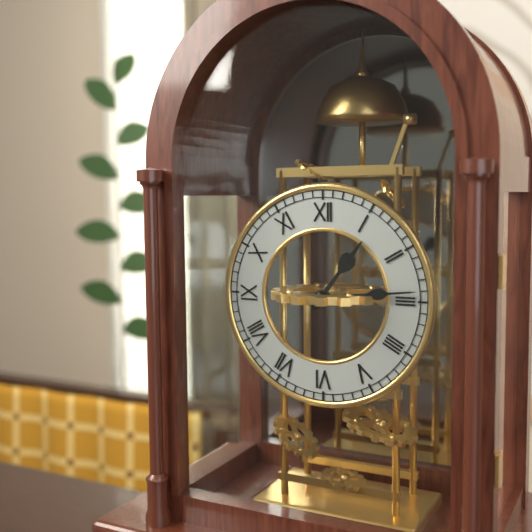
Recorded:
1,14
